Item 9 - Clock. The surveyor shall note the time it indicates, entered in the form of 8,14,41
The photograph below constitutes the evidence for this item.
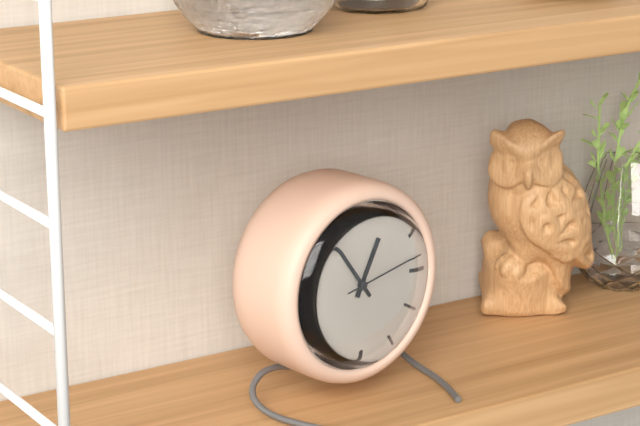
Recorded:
12,54,13
